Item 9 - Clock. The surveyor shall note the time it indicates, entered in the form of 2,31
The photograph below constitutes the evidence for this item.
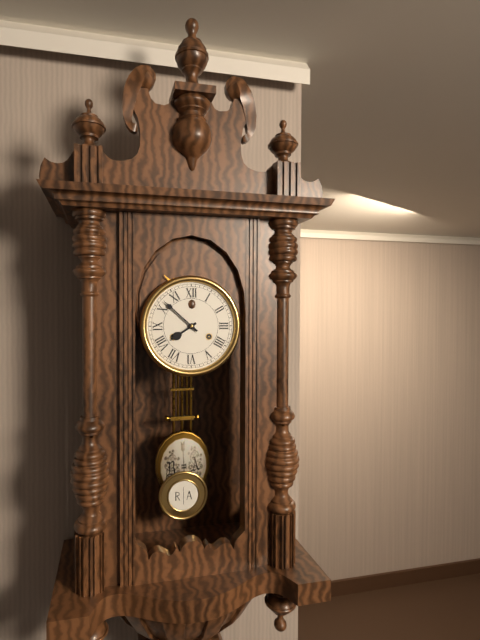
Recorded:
7,52
